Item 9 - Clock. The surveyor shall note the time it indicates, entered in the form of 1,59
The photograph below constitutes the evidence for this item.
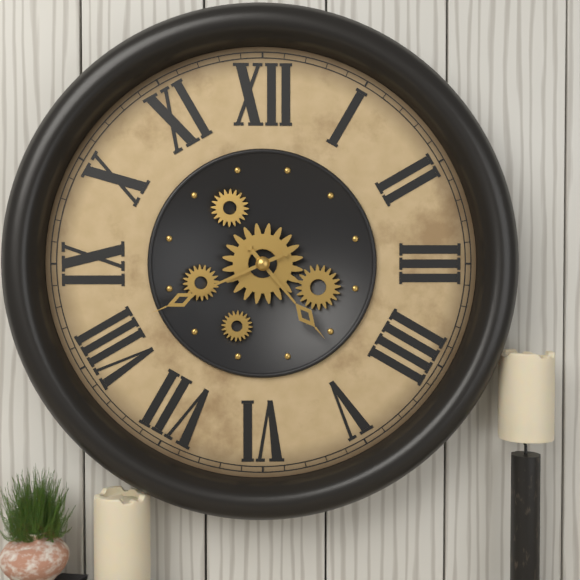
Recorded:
4,41
